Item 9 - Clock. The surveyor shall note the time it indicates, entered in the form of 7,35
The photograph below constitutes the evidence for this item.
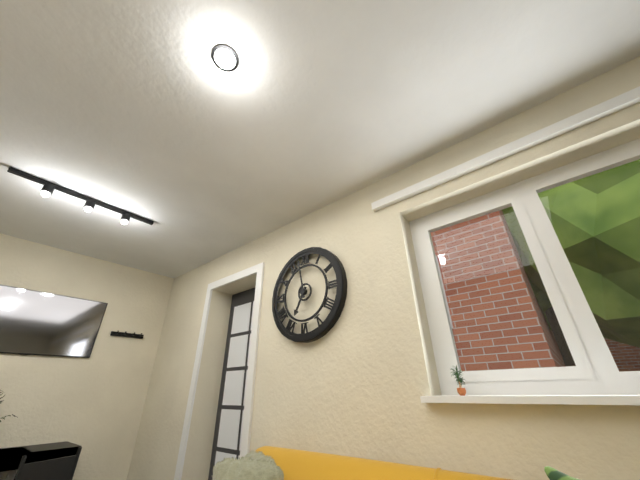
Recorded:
6,58
